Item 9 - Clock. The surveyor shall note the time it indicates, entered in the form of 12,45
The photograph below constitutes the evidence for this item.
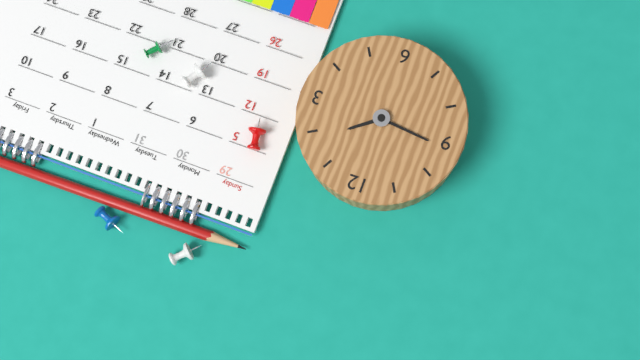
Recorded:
1,46
